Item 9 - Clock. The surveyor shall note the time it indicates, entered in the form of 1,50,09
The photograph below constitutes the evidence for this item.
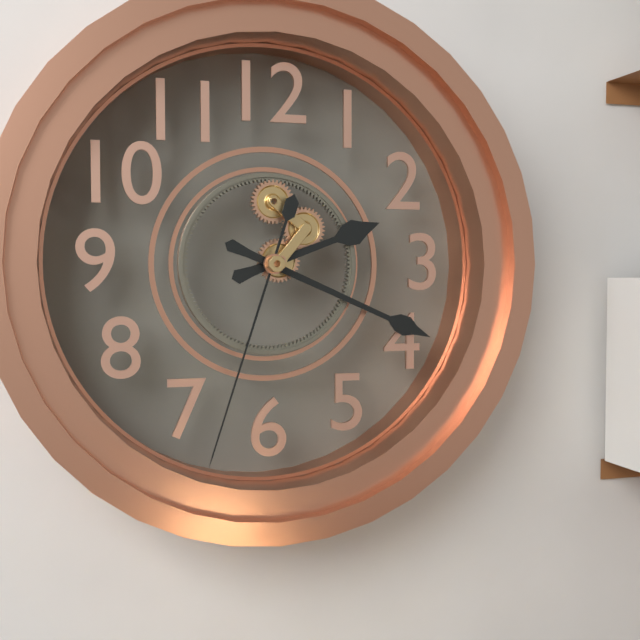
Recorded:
2,19,33
